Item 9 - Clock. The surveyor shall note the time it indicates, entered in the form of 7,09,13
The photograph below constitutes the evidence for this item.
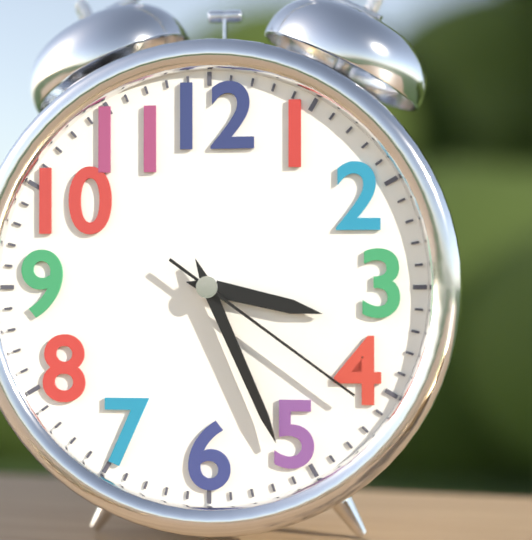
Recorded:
3,26,21
